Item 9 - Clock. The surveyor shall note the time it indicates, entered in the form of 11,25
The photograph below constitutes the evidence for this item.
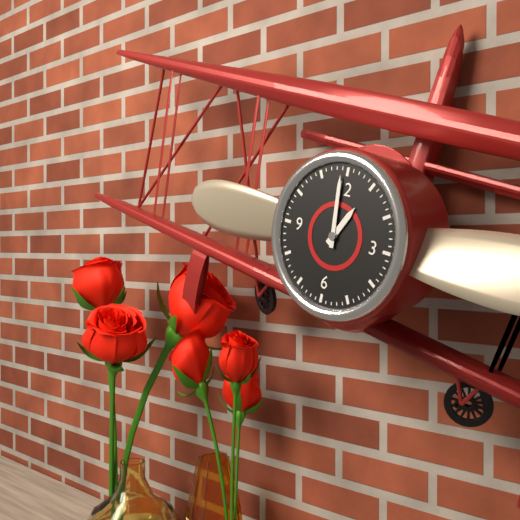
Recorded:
12,59
